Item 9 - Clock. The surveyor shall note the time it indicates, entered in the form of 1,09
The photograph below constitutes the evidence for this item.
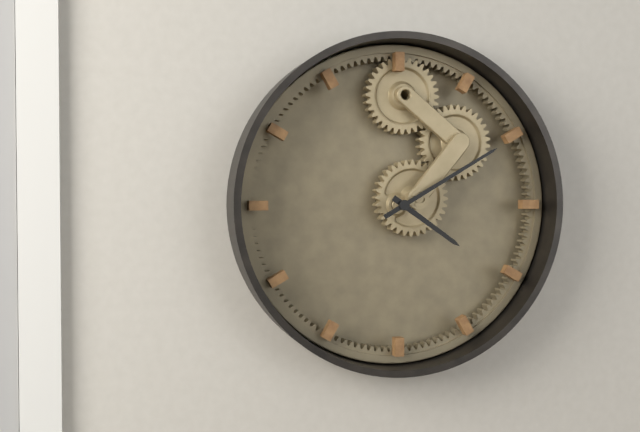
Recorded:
4,10
